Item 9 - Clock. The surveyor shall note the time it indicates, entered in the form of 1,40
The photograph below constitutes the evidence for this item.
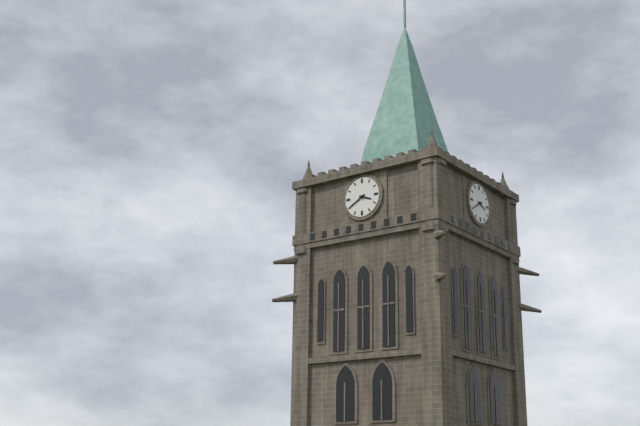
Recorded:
3,40
